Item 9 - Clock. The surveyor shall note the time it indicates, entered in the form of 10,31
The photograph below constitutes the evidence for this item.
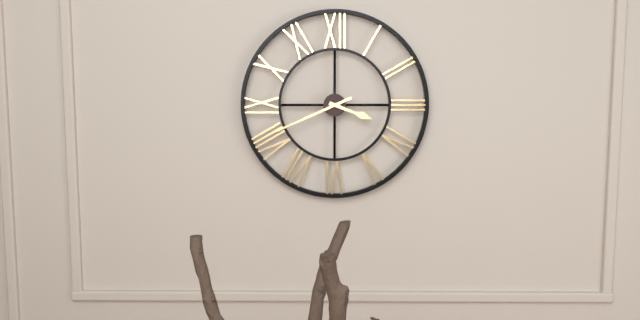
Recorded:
3,41
